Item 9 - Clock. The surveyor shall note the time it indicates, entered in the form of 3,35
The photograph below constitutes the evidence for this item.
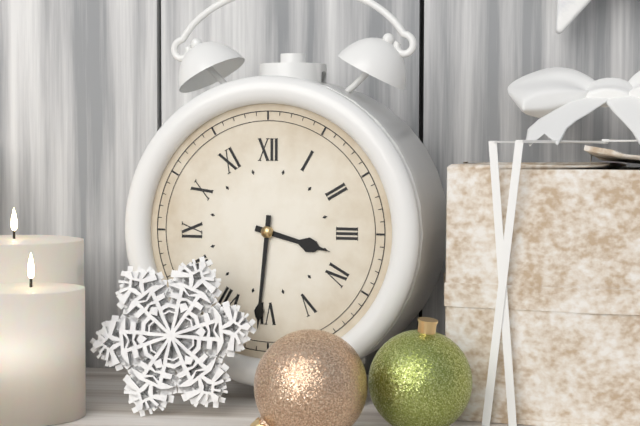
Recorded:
3,31
